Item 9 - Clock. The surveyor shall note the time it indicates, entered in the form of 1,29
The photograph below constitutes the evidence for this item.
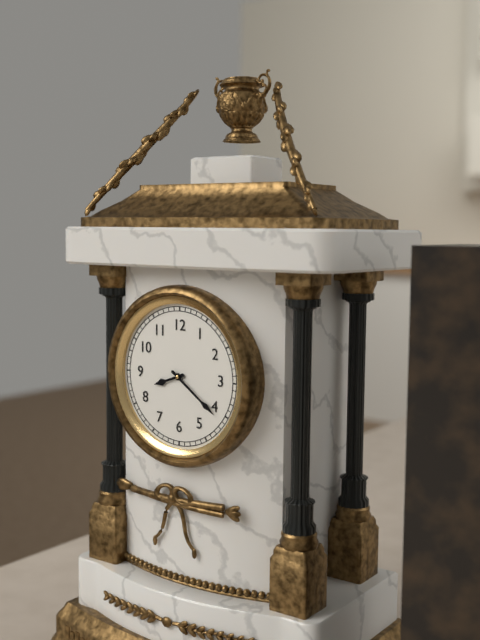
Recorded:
8,21
